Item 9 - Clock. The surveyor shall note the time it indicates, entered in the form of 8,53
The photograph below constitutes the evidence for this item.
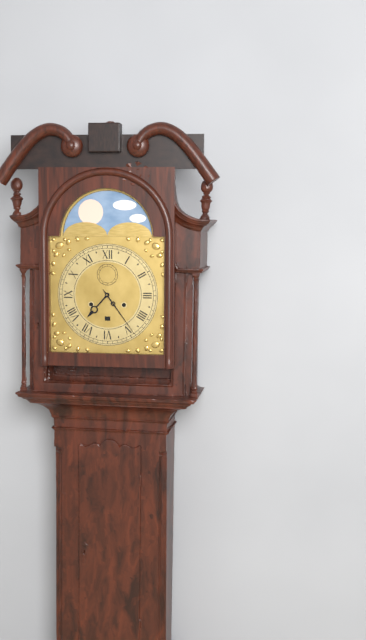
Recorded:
7,24
